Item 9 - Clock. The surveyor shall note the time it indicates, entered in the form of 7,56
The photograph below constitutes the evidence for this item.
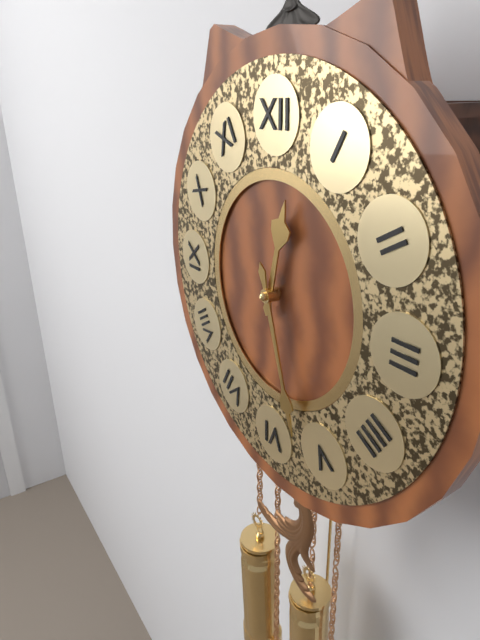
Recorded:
12,27
